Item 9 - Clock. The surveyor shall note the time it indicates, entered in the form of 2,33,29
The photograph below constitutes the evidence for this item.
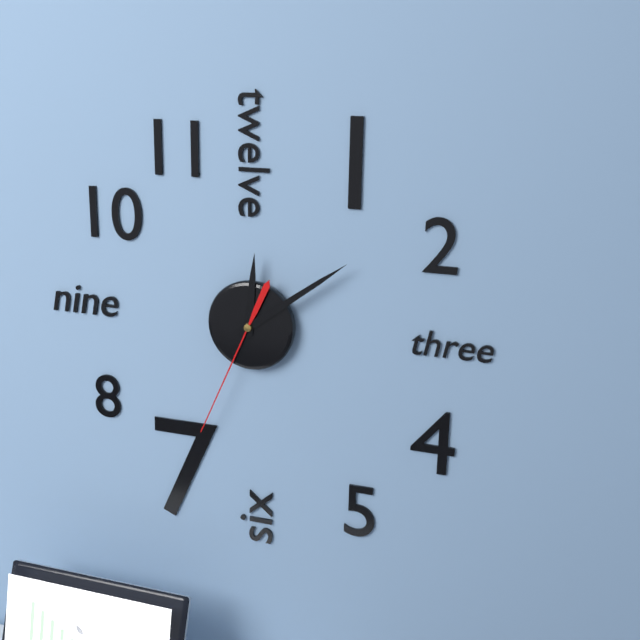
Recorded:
12,09,34
